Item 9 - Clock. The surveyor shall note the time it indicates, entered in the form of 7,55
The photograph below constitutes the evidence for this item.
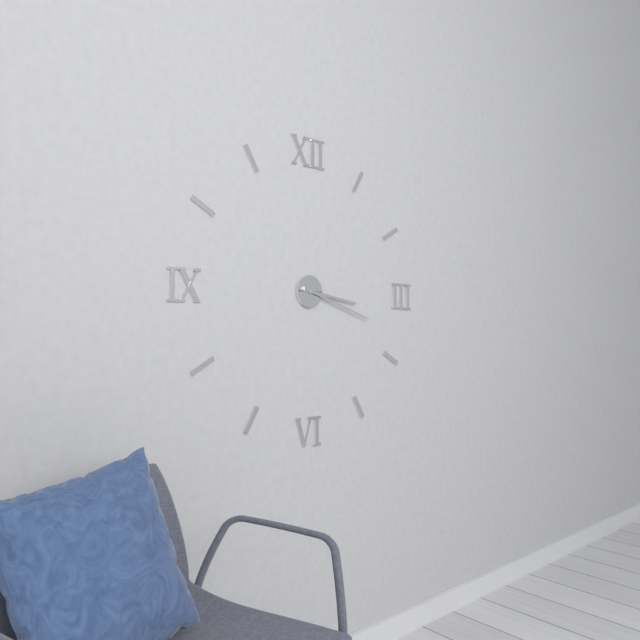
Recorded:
3,18
